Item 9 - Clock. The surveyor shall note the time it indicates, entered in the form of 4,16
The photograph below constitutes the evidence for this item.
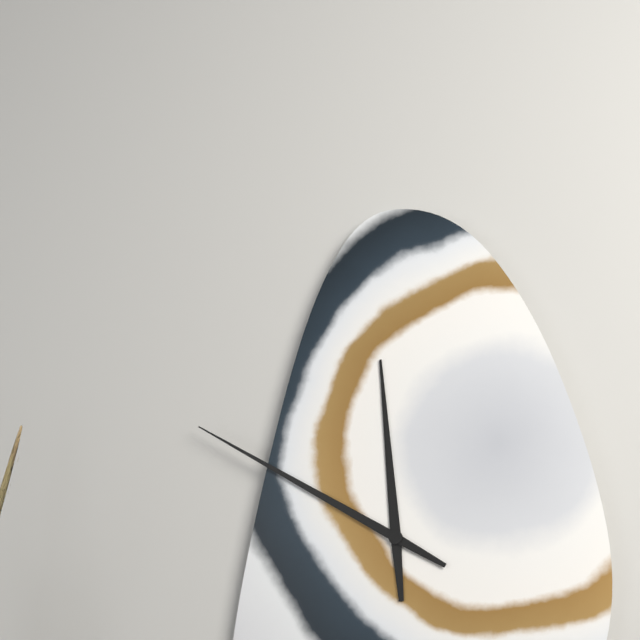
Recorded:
11,50
